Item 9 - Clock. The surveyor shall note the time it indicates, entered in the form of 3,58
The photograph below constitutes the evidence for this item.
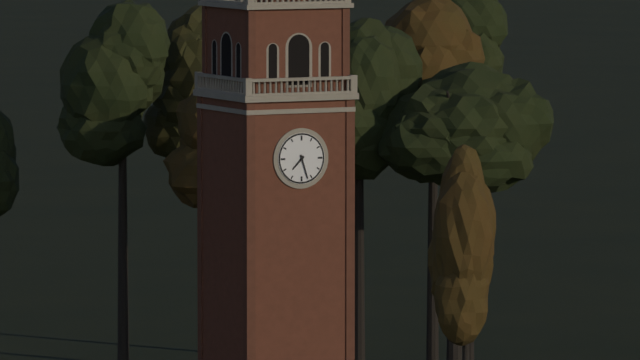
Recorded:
7,27
